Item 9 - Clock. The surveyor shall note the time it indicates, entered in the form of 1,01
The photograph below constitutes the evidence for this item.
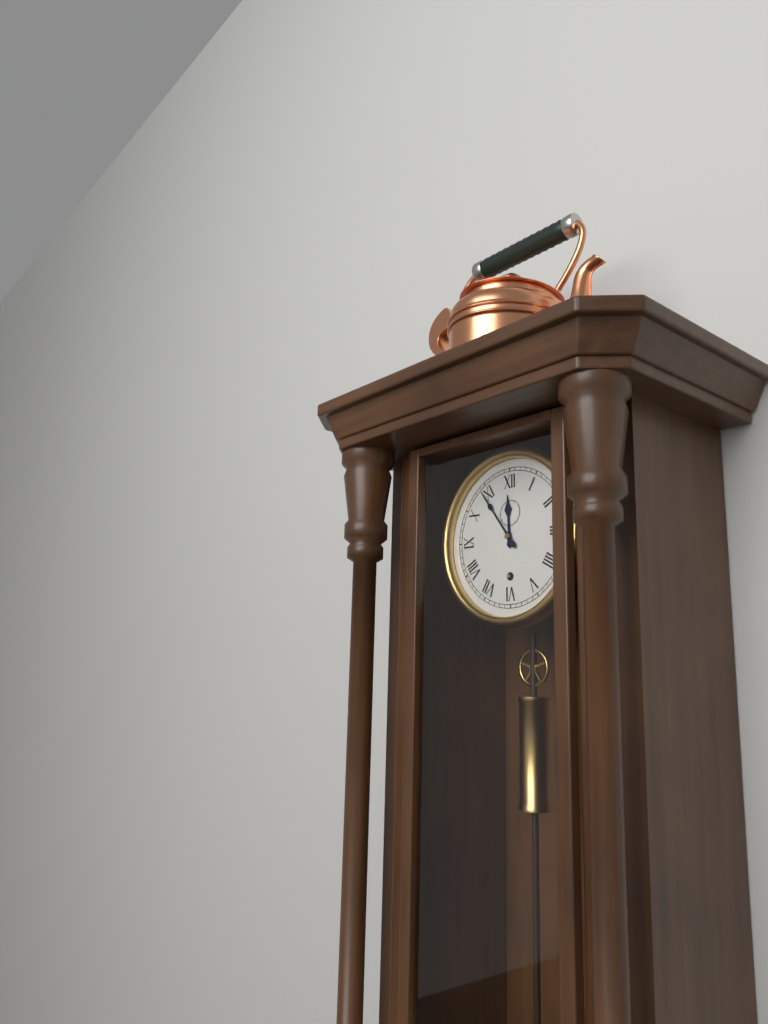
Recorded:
11,54
